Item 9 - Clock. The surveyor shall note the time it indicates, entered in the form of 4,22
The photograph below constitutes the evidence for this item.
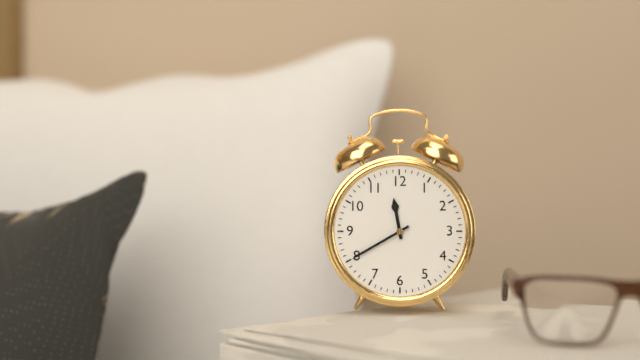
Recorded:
11,40
